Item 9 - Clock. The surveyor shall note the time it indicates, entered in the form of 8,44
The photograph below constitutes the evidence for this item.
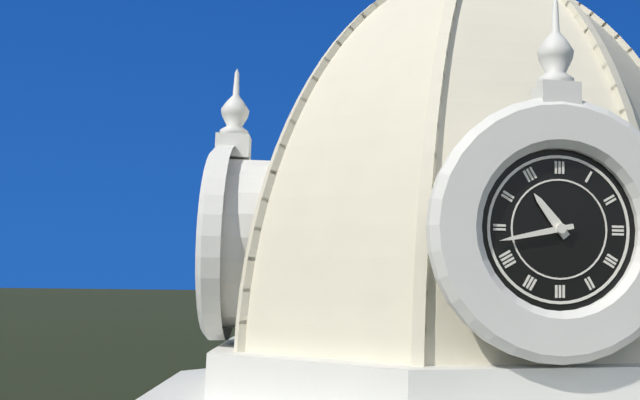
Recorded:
10,43
